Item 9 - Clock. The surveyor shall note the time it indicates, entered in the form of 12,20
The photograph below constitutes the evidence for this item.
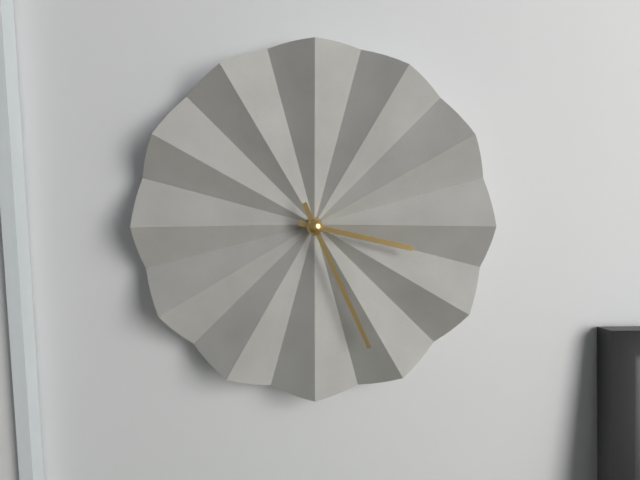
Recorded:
3,26
